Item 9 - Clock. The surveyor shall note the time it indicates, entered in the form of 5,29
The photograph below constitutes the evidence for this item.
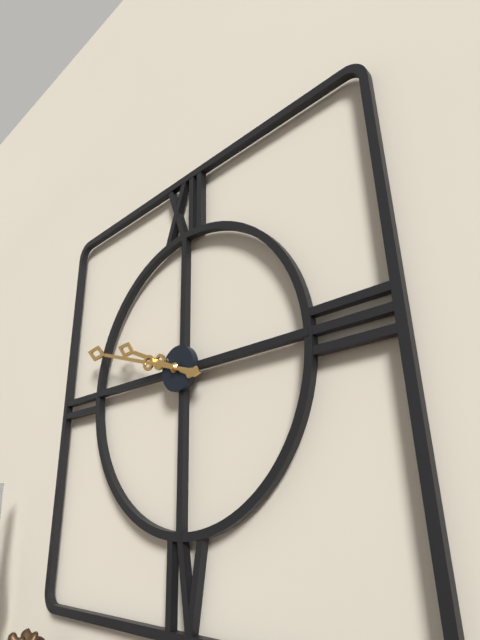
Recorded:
9,48
